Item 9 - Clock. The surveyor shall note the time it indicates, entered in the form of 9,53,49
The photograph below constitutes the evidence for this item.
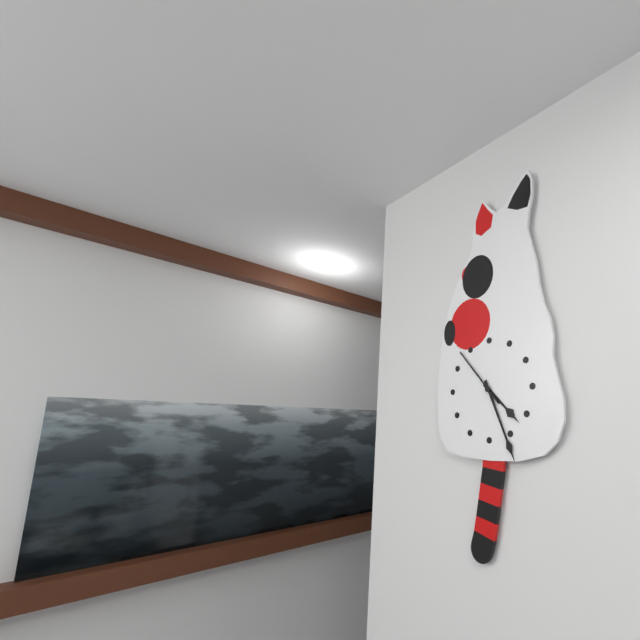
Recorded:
4,26,53
